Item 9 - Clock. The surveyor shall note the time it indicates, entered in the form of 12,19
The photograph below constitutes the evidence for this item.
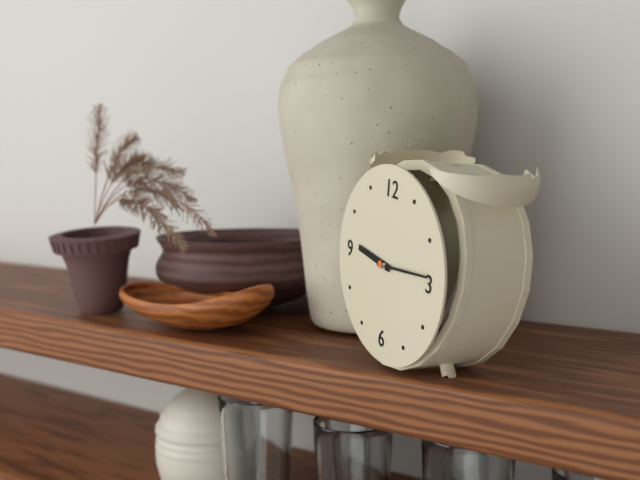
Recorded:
9,14
